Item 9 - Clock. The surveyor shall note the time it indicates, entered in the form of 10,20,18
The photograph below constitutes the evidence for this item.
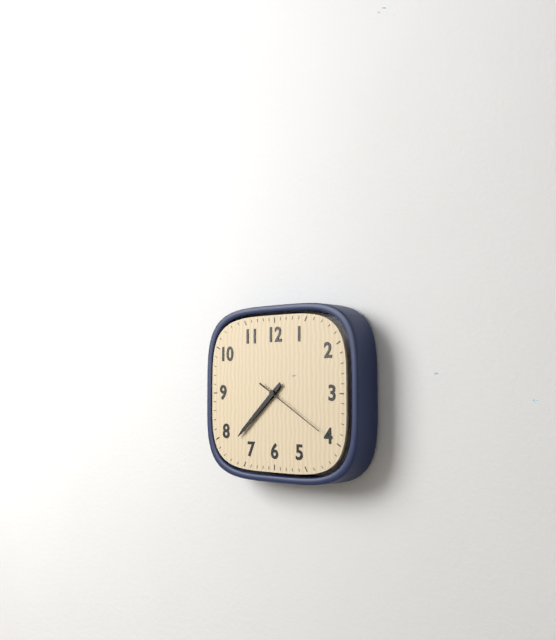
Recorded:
7,38,20
